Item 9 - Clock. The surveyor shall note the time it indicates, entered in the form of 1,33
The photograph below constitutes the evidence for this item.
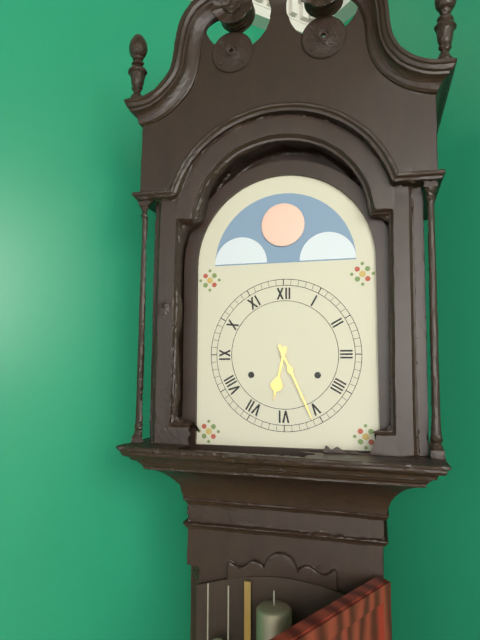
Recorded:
6,26
